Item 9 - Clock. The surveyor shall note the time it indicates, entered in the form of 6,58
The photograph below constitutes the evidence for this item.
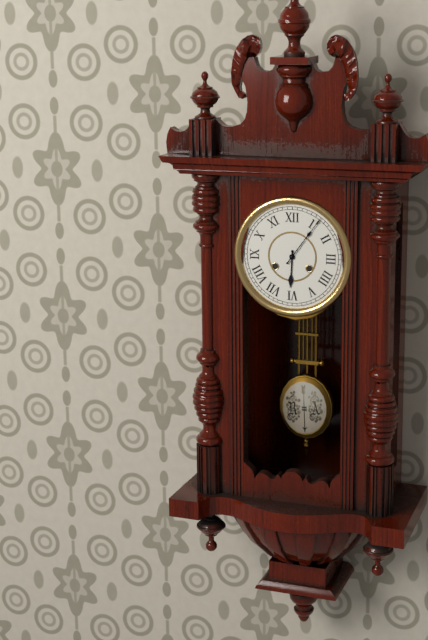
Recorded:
6,06
